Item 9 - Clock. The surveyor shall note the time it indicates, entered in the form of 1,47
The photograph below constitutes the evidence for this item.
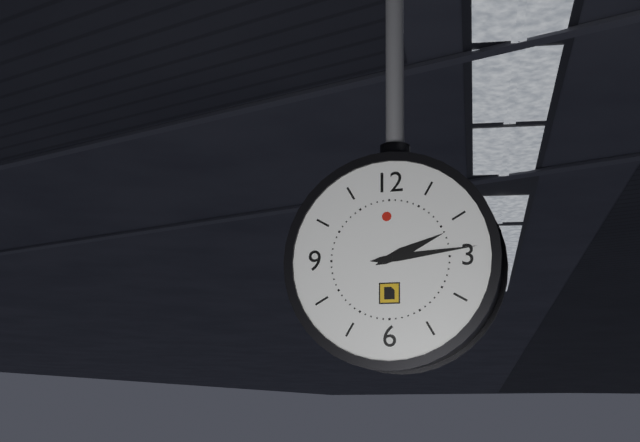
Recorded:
2,14
